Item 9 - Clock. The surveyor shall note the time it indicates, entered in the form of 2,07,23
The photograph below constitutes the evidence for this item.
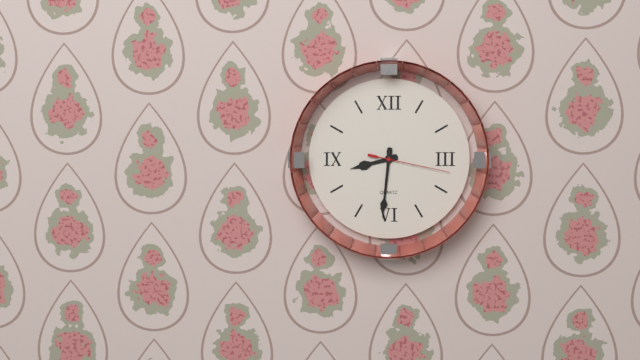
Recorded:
8,31,17
